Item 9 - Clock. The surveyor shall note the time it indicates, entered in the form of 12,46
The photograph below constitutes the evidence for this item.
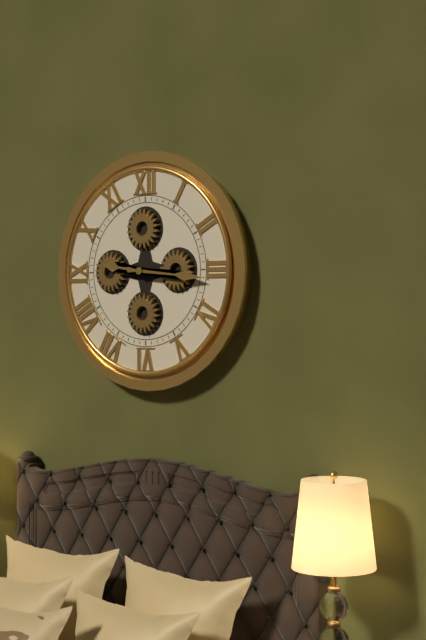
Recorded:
9,16
